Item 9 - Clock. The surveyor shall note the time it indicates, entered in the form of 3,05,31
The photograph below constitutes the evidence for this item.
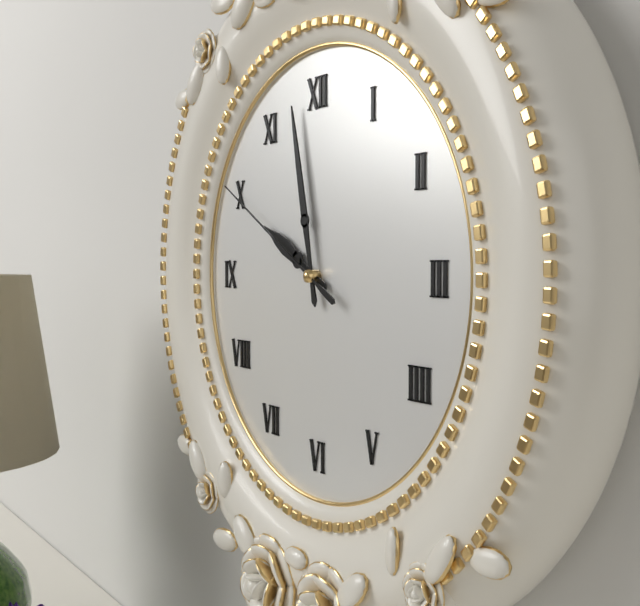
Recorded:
9,58,50
